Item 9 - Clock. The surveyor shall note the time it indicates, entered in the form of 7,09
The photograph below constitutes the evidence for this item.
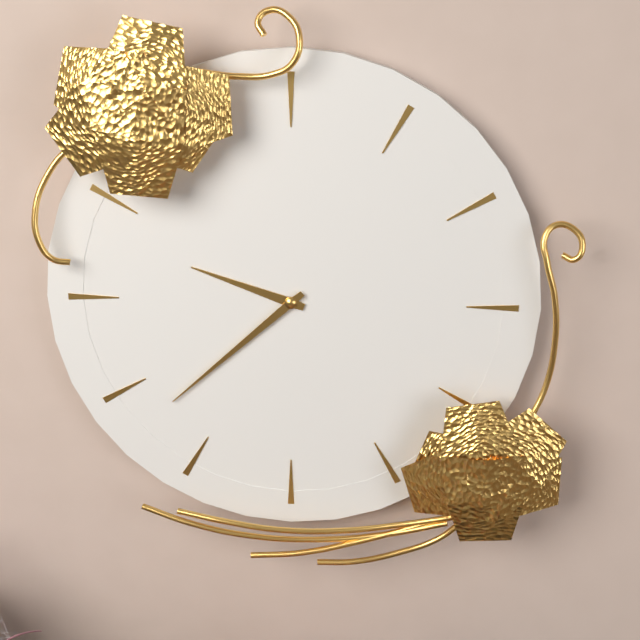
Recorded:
9,38
